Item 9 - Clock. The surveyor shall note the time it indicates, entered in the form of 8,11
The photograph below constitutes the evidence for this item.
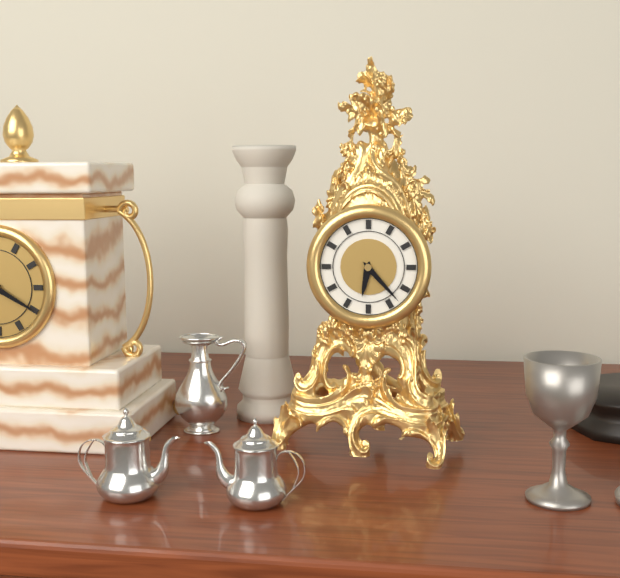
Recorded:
6,23
